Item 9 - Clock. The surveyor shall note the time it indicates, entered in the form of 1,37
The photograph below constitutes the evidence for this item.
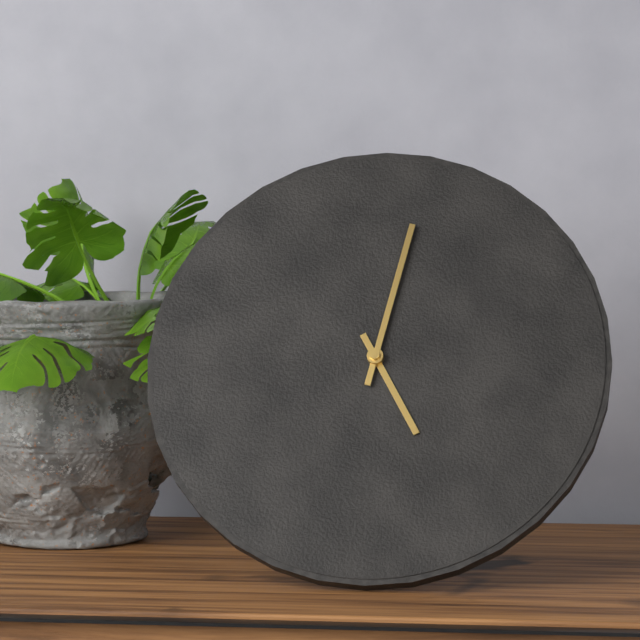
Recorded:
5,02
